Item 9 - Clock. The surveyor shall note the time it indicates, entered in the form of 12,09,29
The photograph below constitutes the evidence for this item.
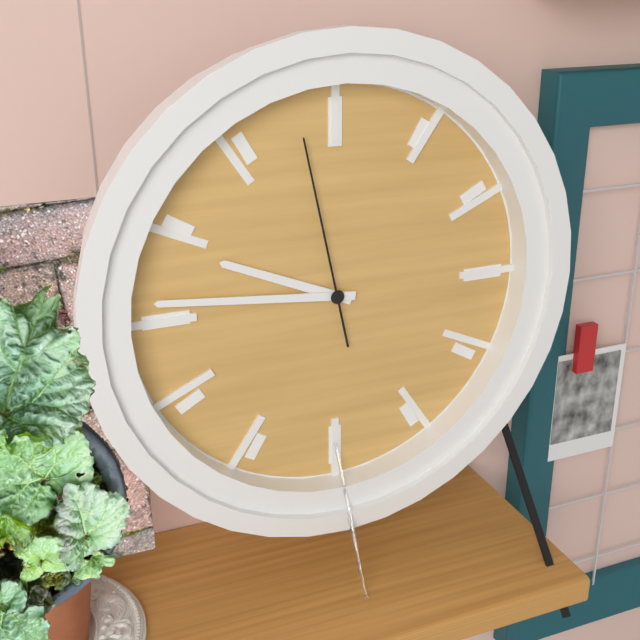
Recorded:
9,46,58
